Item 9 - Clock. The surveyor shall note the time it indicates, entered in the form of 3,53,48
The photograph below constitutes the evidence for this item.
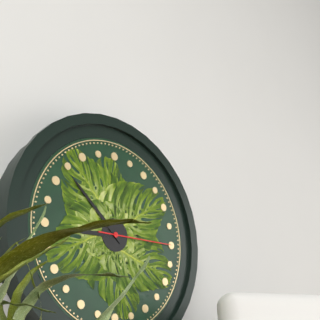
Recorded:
8,52,15
